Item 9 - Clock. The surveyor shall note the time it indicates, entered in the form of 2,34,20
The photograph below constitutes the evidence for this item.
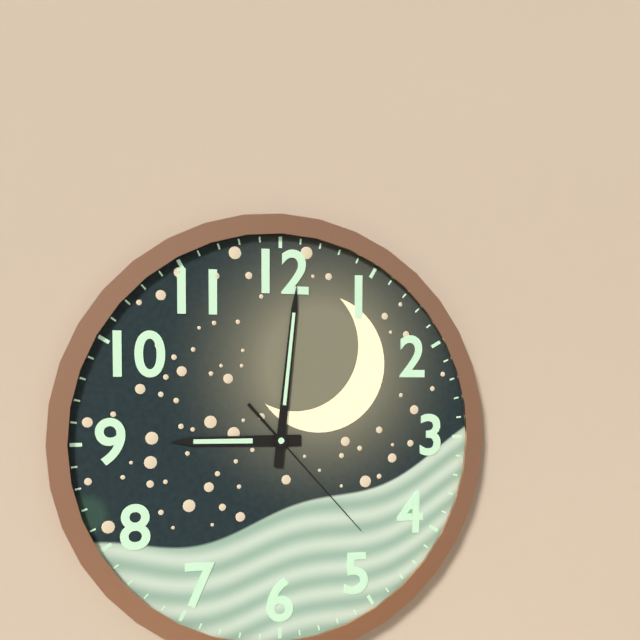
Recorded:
9,01,23
